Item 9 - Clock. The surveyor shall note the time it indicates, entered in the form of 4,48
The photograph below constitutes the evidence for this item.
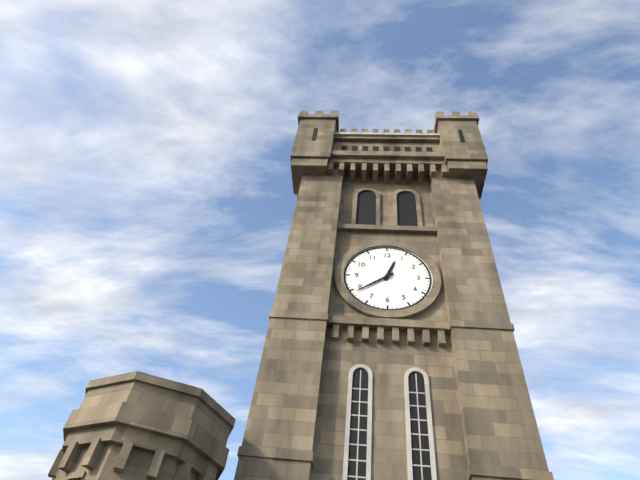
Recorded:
12,39
